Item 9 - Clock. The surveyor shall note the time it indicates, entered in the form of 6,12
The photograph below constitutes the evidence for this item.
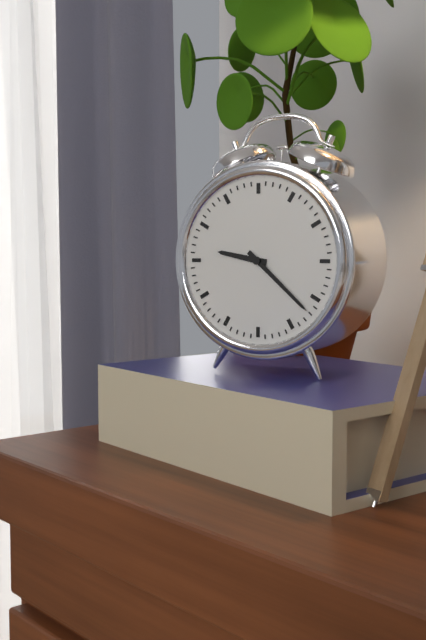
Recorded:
9,22
